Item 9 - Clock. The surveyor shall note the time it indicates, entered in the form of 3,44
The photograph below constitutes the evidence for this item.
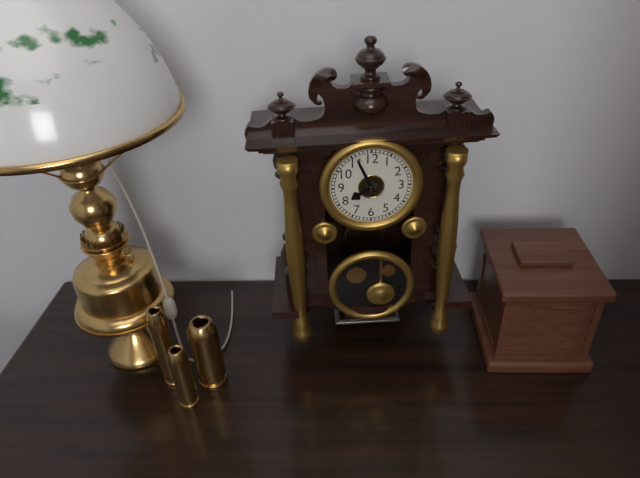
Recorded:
7,56
